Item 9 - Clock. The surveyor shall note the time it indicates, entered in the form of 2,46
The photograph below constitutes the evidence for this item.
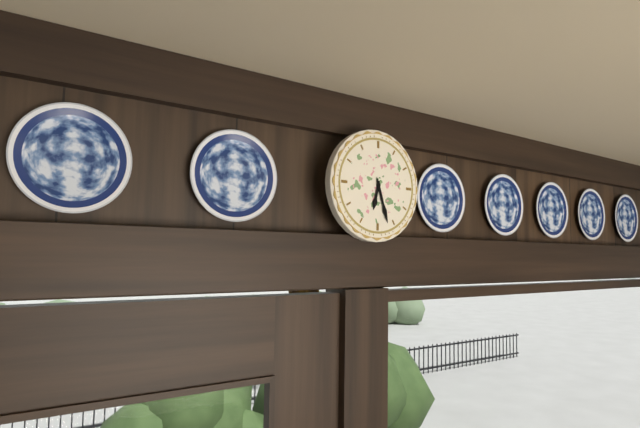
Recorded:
6,27
